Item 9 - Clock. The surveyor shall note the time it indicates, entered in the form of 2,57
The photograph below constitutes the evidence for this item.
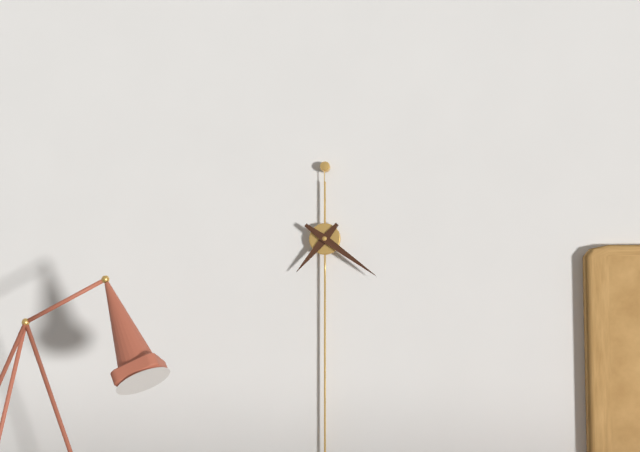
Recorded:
7,21
